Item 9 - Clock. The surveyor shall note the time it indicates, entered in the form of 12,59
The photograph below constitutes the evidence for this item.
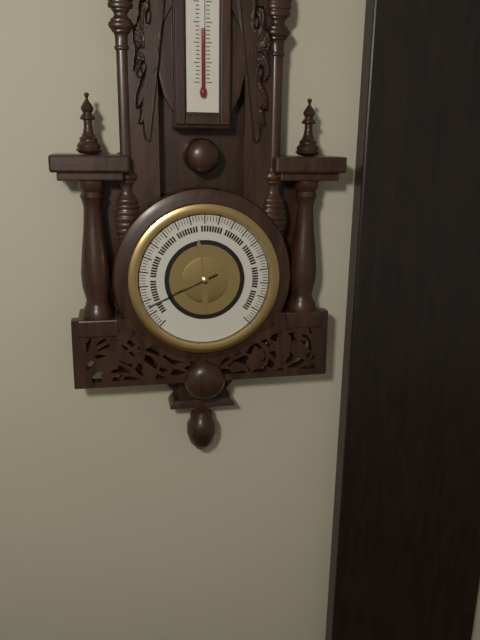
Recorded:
11,41
